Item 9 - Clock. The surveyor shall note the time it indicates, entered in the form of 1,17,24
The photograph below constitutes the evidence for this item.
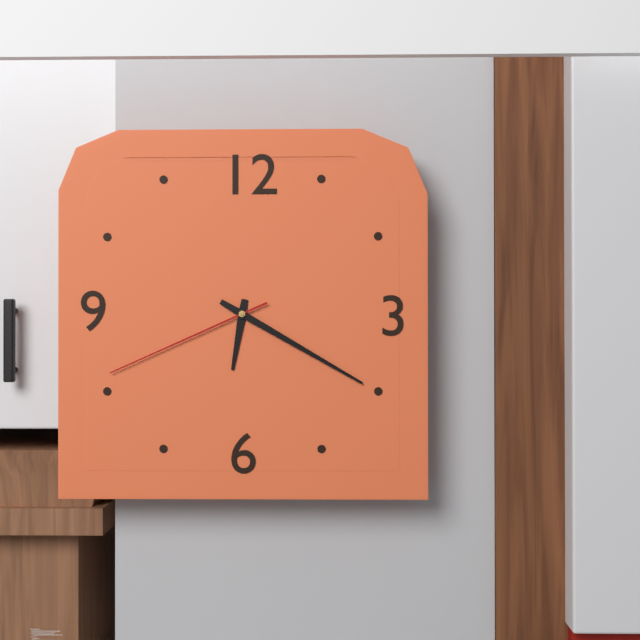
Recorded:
6,20,41
